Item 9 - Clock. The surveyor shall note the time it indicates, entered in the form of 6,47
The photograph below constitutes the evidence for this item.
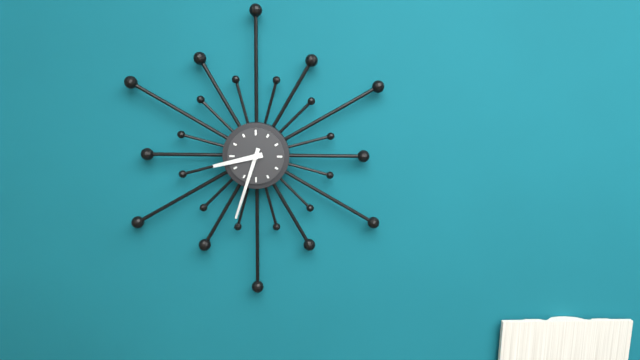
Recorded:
8,33
